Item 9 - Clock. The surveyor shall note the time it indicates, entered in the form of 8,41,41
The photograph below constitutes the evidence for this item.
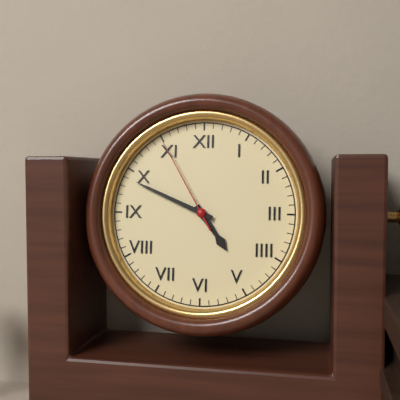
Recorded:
4,49,55
